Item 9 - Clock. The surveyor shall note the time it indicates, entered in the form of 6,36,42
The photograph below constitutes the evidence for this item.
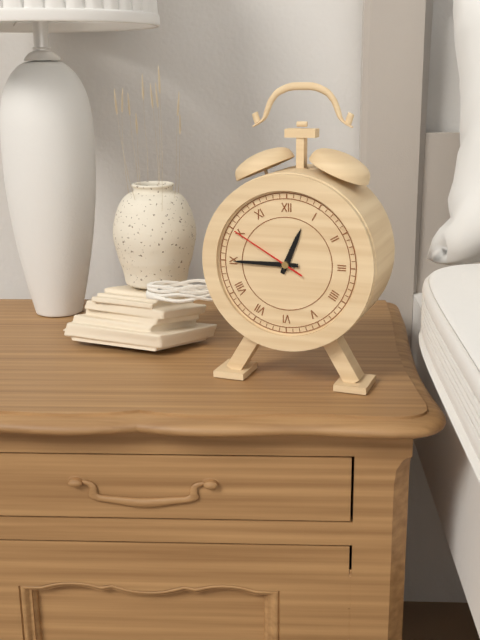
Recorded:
12,45,50
